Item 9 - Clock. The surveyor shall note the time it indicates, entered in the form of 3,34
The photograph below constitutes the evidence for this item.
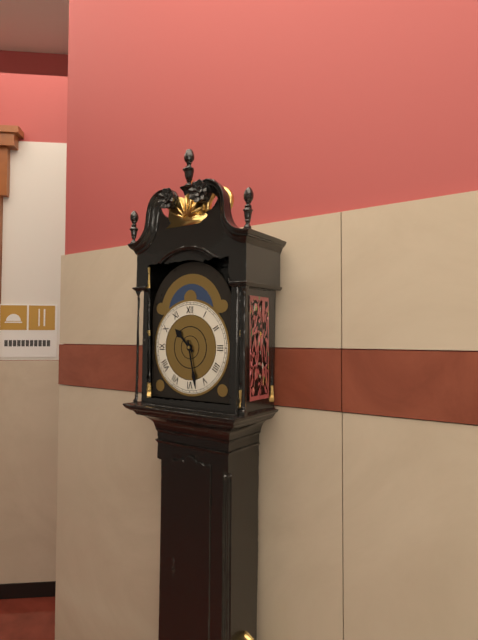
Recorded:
10,28
